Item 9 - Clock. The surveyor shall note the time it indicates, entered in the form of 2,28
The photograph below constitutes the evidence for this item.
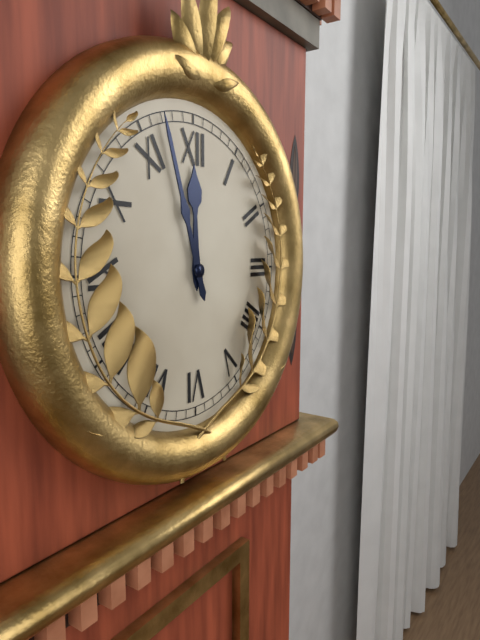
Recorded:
11,57
